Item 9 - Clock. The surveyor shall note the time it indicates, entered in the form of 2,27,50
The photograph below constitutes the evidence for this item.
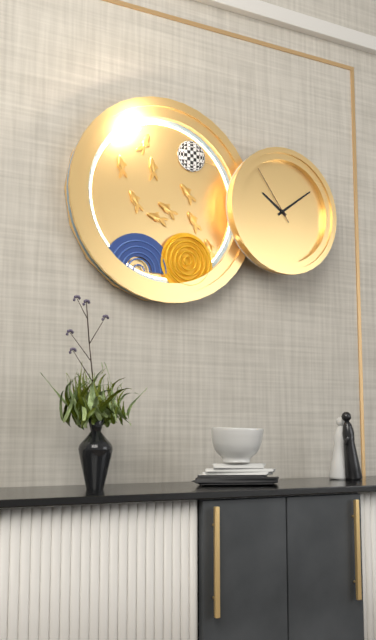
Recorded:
10,09,54
